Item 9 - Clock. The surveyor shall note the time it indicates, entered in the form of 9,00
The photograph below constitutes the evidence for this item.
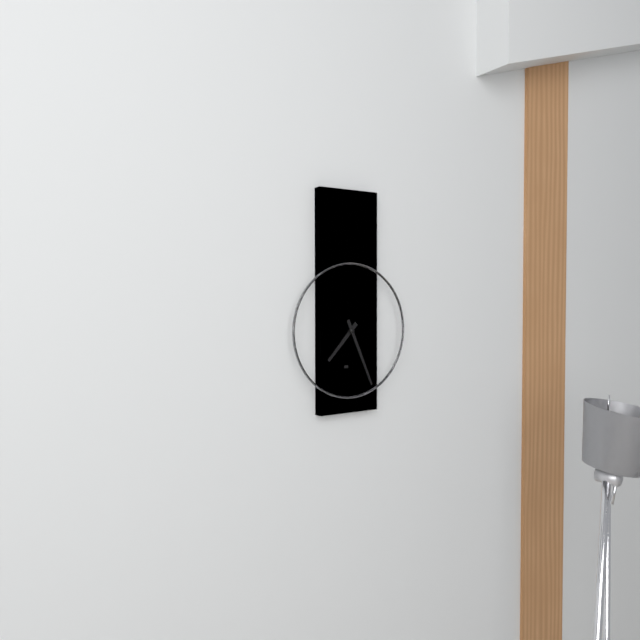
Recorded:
7,26
